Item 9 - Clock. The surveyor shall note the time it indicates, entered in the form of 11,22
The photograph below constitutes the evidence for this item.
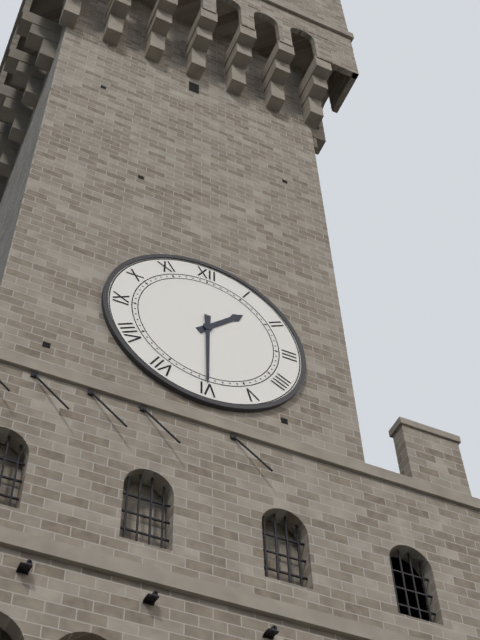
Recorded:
1,30
